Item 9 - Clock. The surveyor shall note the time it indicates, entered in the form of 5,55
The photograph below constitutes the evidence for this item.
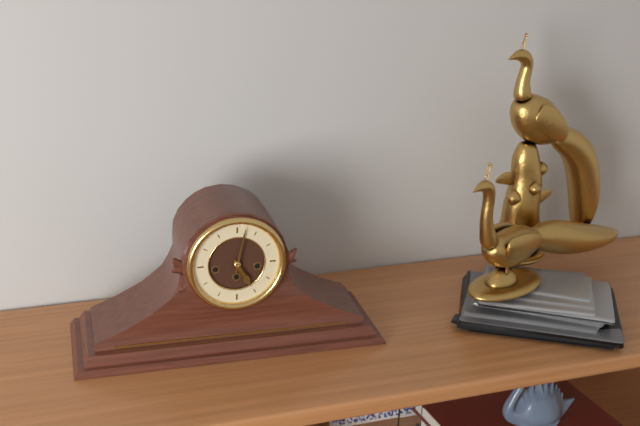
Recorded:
5,02
